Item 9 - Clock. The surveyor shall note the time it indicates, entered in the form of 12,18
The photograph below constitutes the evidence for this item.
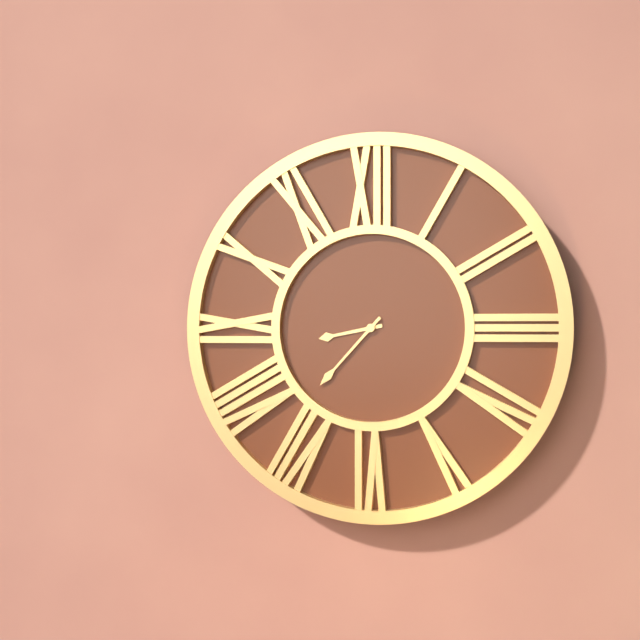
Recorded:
8,37
